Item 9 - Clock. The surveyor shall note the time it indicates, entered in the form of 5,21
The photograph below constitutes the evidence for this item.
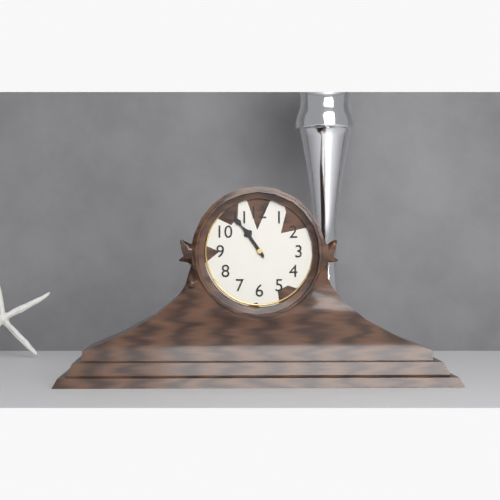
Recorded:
10,54
